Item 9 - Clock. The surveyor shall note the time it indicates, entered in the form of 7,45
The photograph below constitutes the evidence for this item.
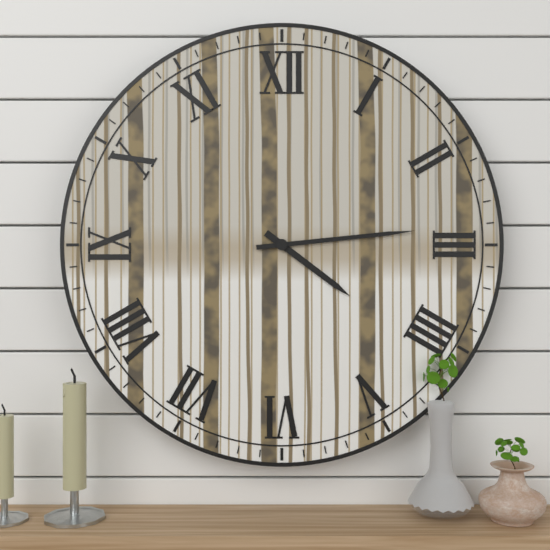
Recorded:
4,14
